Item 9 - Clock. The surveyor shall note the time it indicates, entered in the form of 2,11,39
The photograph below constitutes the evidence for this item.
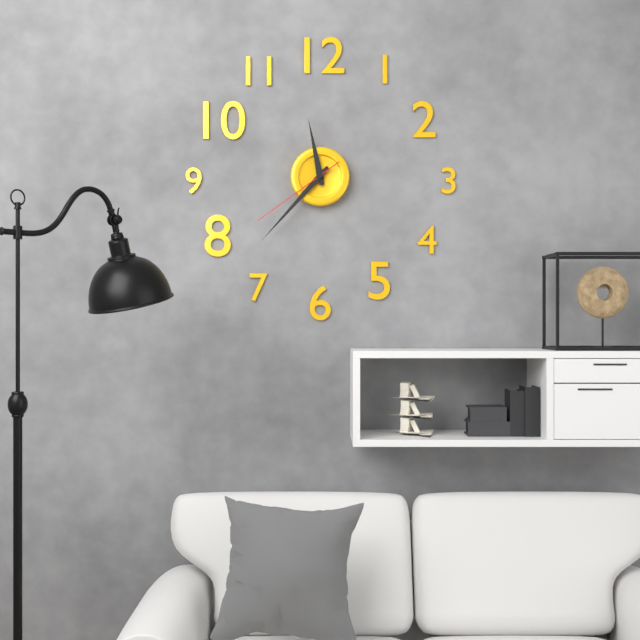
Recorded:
11,37,39
